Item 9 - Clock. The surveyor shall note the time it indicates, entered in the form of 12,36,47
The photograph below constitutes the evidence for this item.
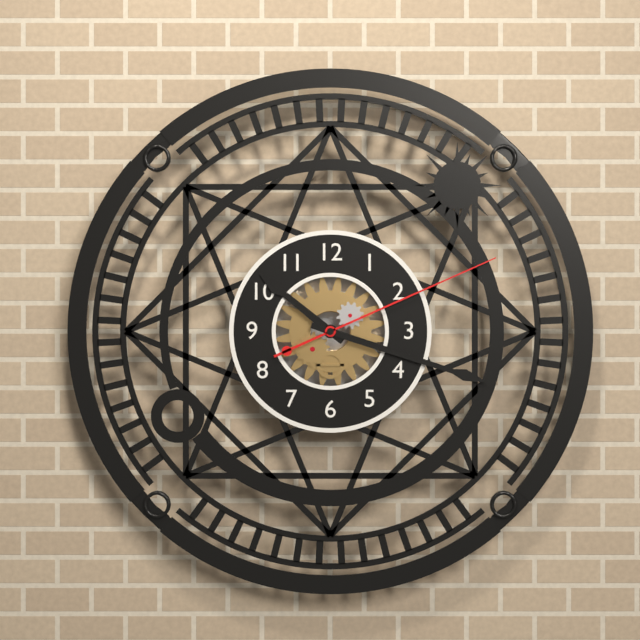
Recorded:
10,18,11
